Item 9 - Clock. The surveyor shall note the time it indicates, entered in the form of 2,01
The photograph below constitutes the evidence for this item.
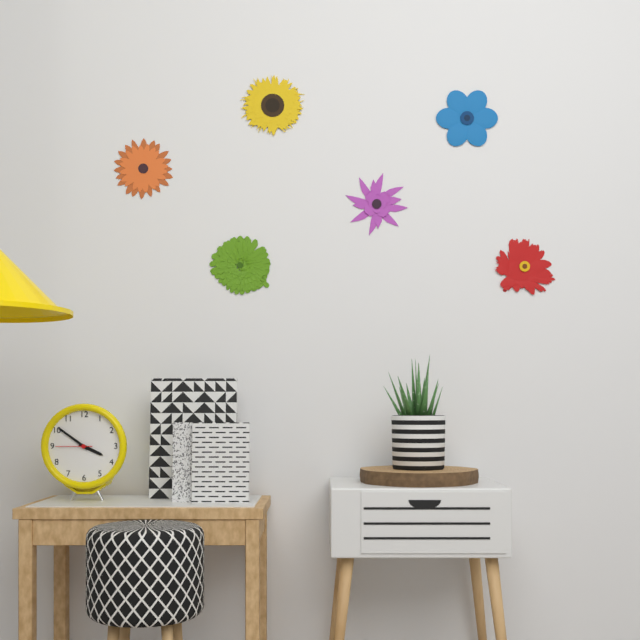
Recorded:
3,51
